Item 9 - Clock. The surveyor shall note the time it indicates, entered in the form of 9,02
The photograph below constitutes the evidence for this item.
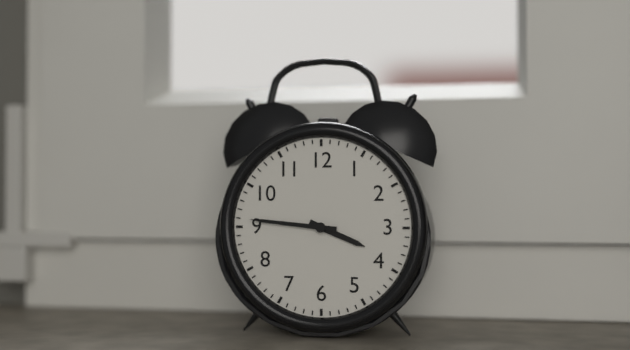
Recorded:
3,46
